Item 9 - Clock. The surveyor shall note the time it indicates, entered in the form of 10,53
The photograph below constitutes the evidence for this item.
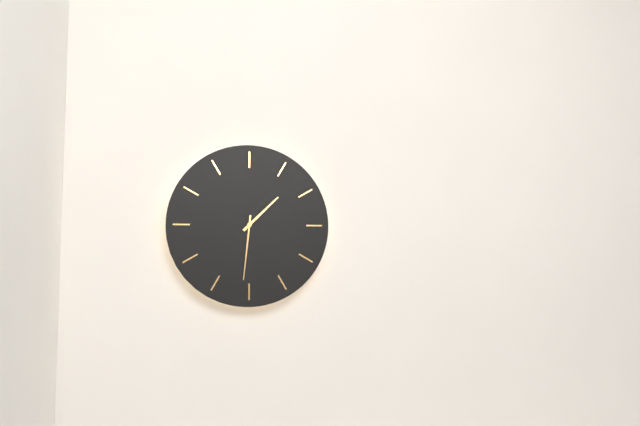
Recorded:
1,31
